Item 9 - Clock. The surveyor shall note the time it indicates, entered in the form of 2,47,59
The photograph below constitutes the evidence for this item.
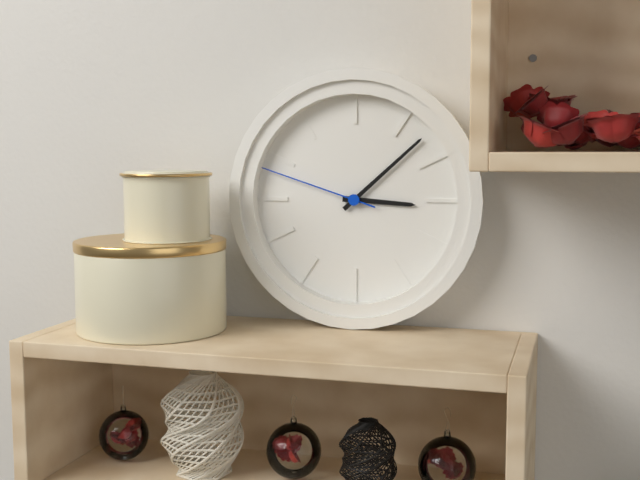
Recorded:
3,08,48
